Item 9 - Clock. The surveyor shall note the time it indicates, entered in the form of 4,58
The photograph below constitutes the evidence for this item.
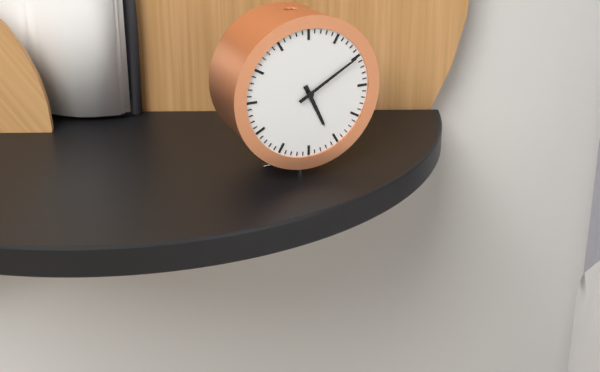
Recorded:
5,10
